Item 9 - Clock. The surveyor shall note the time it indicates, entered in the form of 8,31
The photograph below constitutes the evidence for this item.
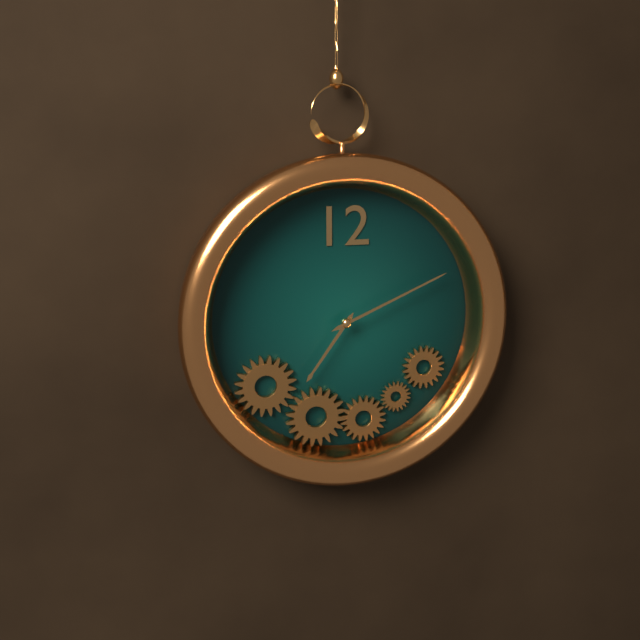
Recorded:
7,11
